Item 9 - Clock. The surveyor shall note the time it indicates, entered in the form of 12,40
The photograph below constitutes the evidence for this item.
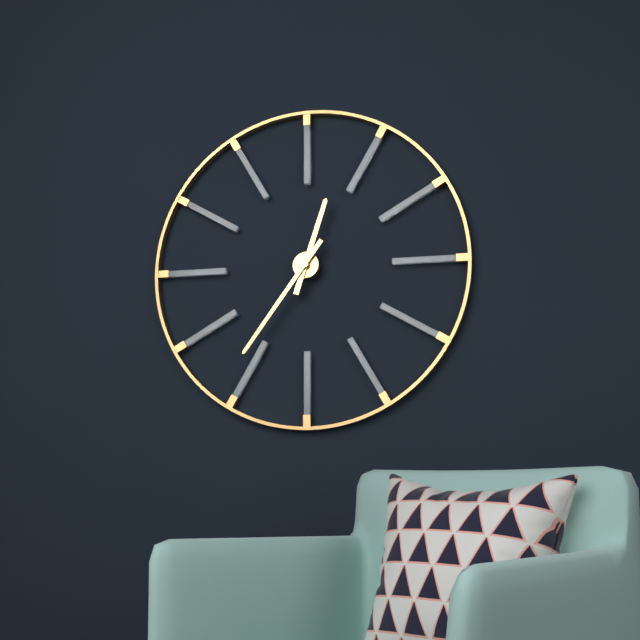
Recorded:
12,36
